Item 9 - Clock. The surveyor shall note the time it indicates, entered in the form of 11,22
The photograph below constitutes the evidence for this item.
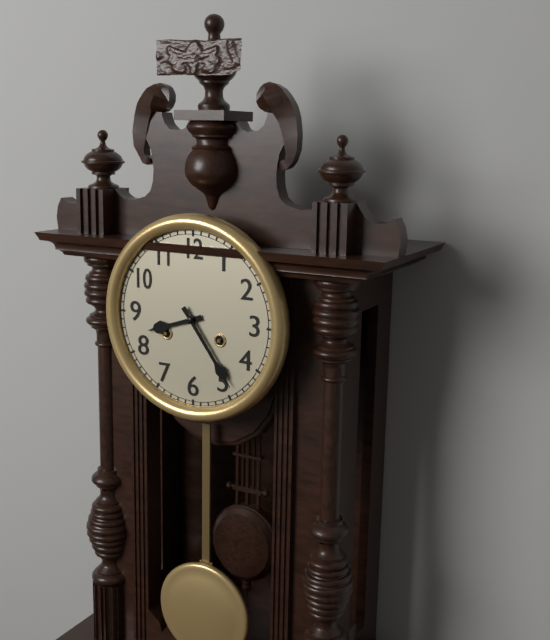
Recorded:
8,24
